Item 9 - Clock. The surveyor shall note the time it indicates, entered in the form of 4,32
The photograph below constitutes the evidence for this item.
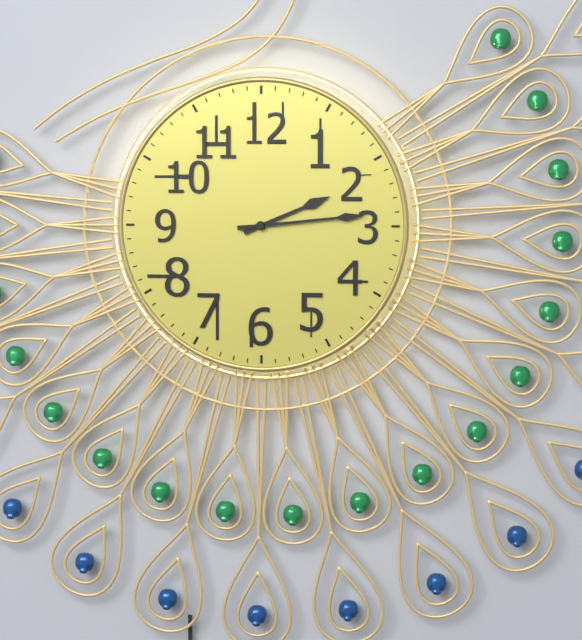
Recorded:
2,14
